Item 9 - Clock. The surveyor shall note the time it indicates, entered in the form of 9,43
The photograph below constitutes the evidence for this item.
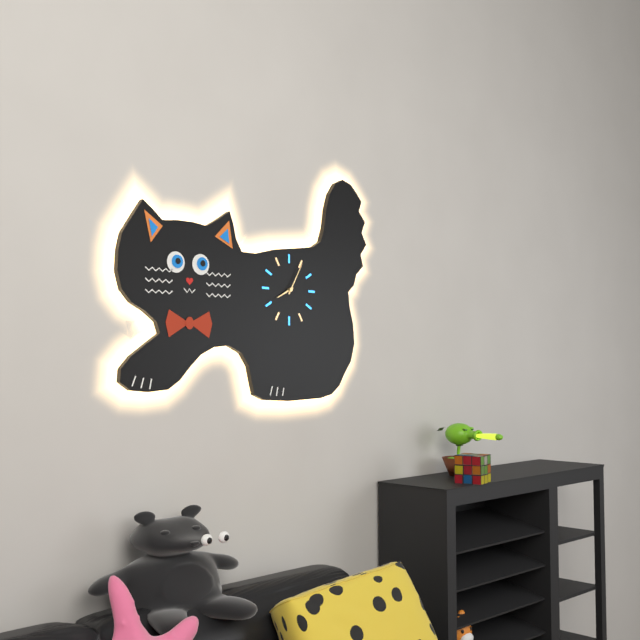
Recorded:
8,05
